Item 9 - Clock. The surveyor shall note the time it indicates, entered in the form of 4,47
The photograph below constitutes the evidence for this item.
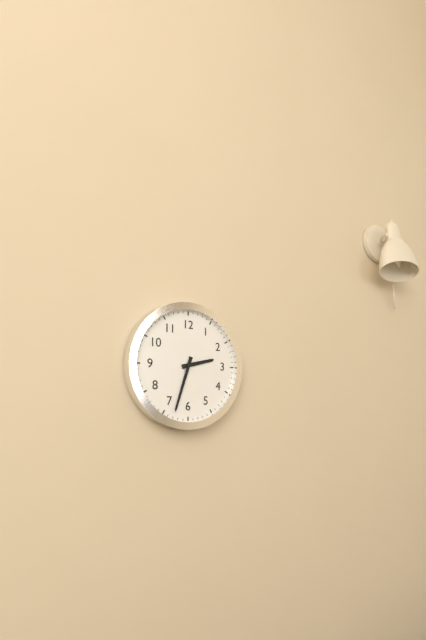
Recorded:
2,33
